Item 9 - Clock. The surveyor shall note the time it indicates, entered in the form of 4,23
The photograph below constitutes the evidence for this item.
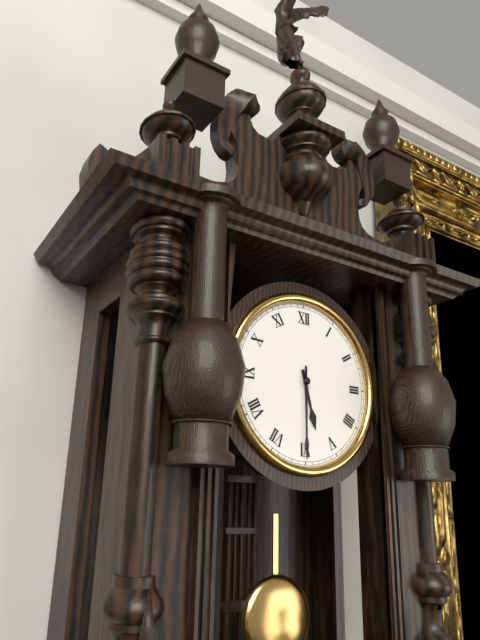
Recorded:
5,30
